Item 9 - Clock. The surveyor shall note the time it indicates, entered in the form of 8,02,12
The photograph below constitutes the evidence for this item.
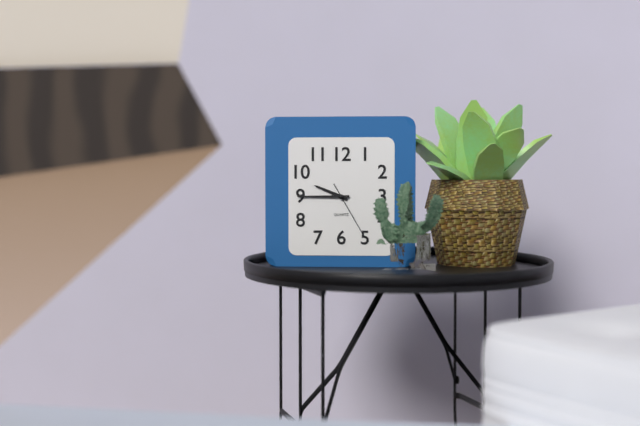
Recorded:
9,45,25
